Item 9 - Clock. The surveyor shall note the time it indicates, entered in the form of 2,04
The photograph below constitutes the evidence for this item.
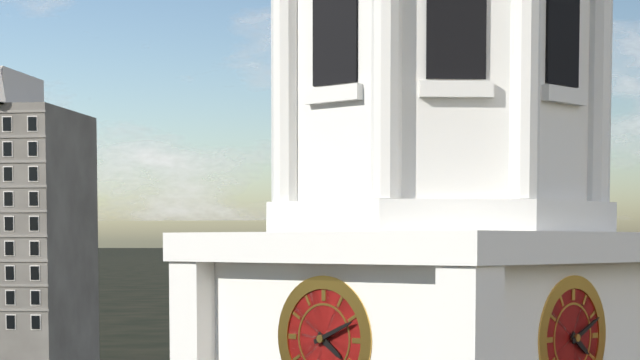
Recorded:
4,11
